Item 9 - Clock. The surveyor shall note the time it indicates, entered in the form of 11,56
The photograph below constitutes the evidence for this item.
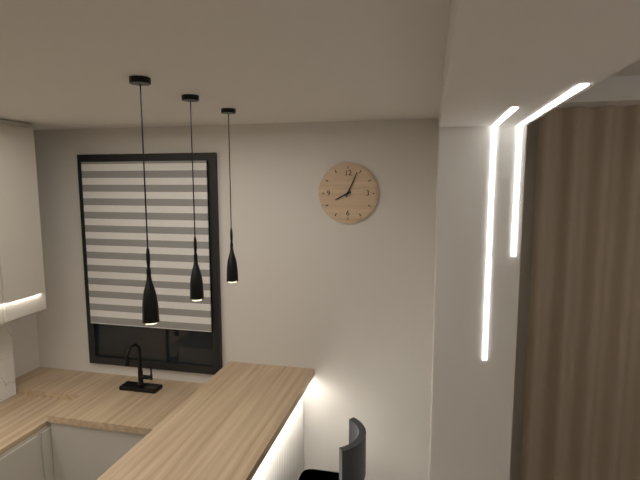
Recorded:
8,04
